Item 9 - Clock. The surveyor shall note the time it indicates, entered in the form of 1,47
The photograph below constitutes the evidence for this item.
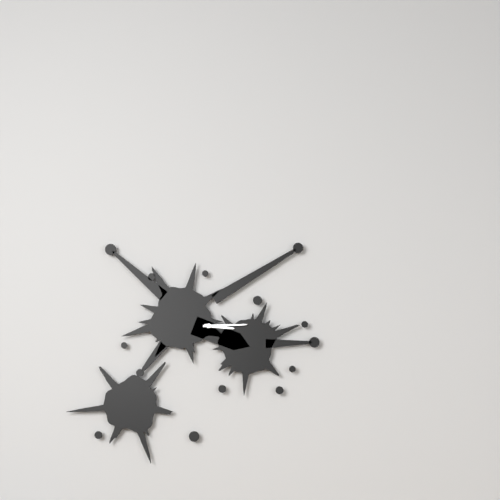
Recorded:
3,15
